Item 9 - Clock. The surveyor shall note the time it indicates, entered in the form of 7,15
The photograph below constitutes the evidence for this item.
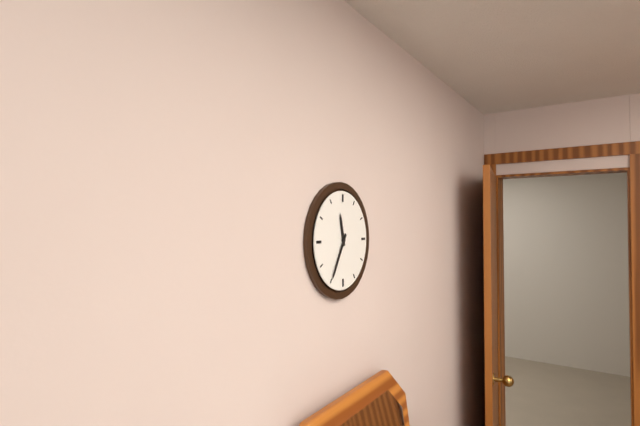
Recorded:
11,35
